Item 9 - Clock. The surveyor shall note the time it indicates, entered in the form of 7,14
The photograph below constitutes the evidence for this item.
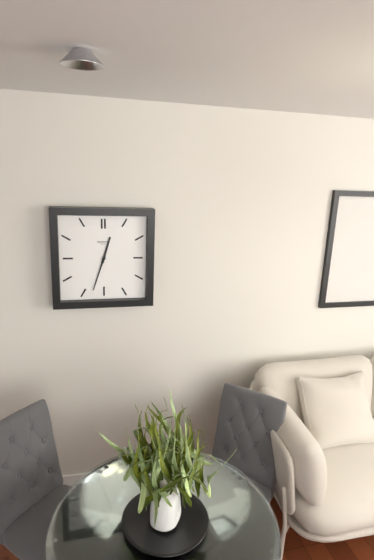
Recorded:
12,33
